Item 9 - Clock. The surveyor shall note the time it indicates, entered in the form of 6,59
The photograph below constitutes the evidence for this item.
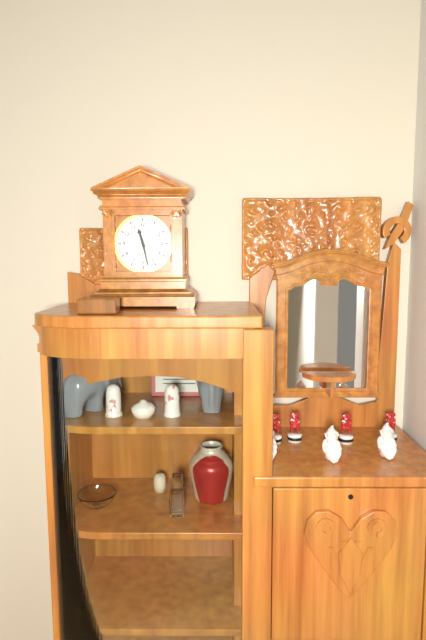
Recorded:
11,28
